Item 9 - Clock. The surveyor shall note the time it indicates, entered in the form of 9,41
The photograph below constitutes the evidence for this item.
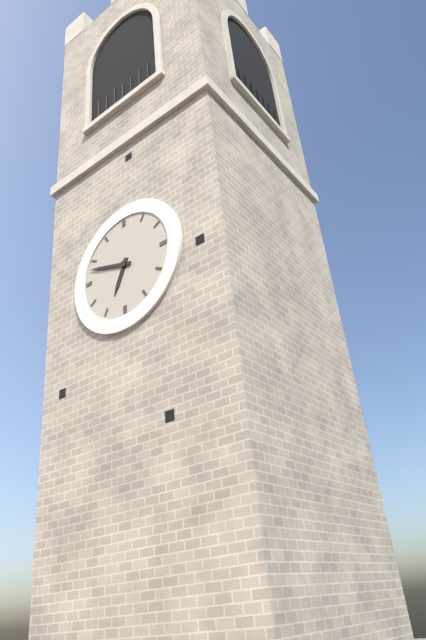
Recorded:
6,48
